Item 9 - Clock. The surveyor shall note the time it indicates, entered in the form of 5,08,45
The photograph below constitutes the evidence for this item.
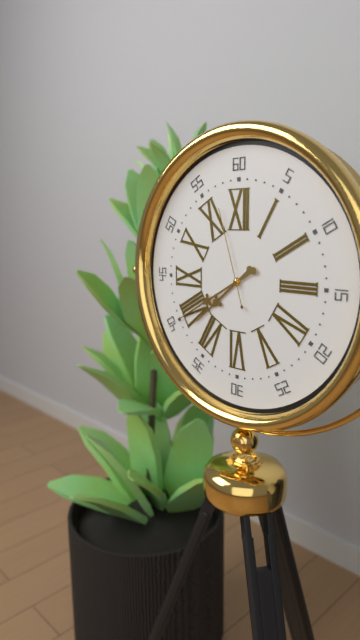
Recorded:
7,40,57
